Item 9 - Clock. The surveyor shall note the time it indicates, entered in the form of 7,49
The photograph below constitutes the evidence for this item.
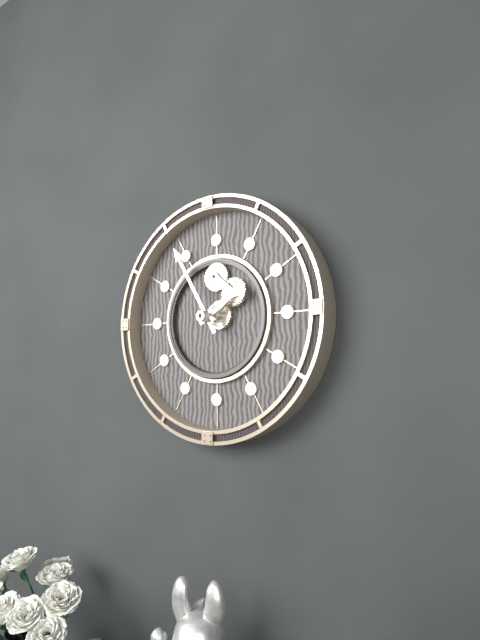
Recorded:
1,55
